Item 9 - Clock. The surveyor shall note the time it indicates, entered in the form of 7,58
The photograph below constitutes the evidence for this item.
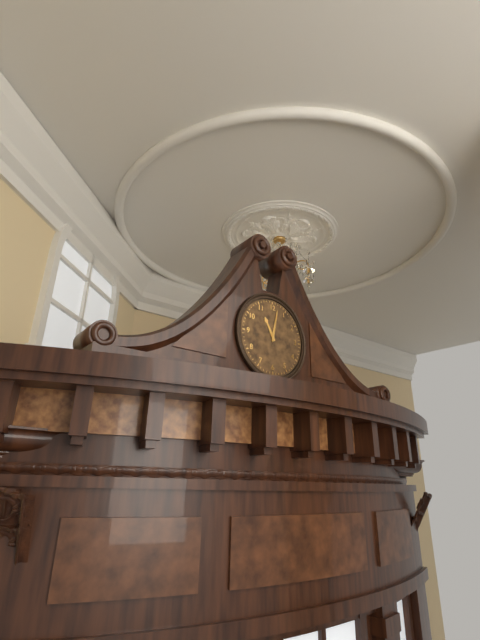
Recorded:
11,02
